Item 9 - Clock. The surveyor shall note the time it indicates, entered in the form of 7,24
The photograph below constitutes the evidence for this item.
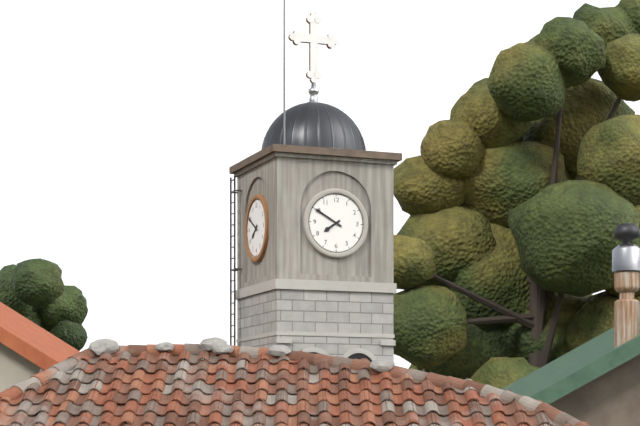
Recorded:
7,50
